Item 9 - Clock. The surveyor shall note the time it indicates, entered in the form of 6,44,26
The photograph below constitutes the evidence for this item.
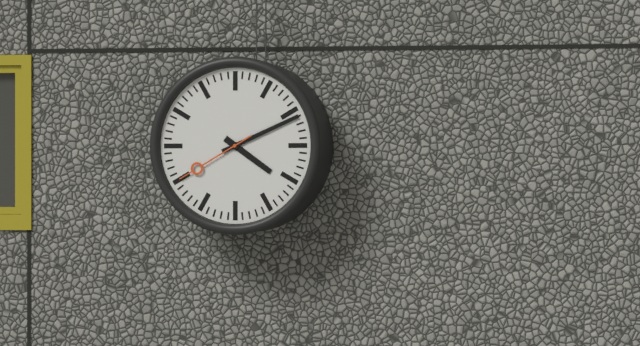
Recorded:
4,11,40
